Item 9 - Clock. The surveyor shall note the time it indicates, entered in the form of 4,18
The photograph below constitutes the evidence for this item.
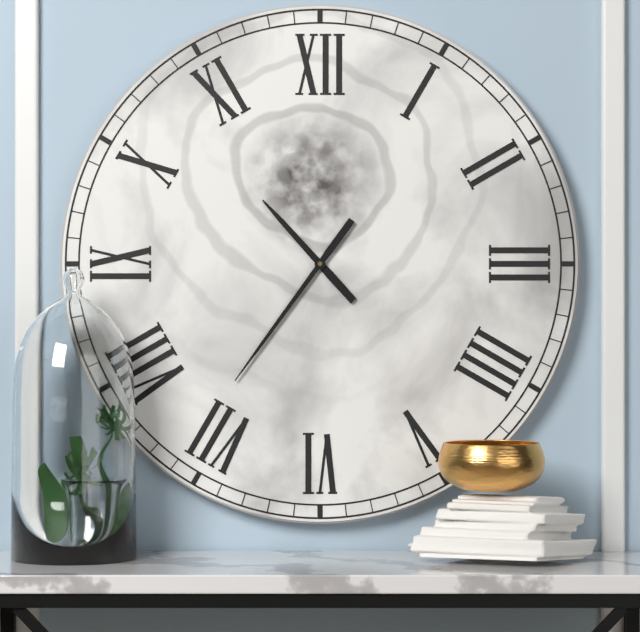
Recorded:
10,36
